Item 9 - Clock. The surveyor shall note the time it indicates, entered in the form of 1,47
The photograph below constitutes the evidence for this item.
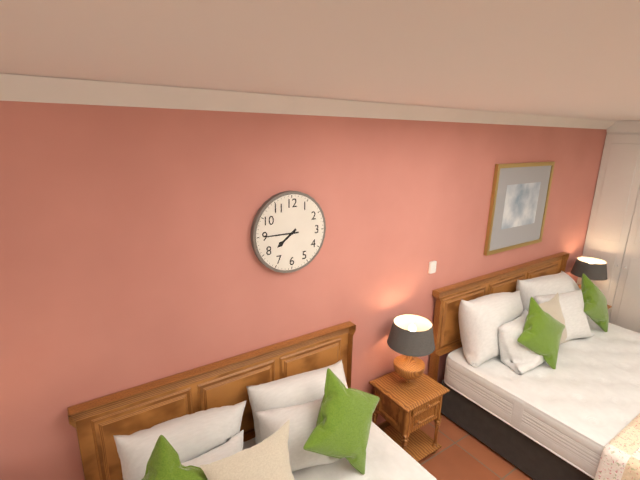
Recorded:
7,45
